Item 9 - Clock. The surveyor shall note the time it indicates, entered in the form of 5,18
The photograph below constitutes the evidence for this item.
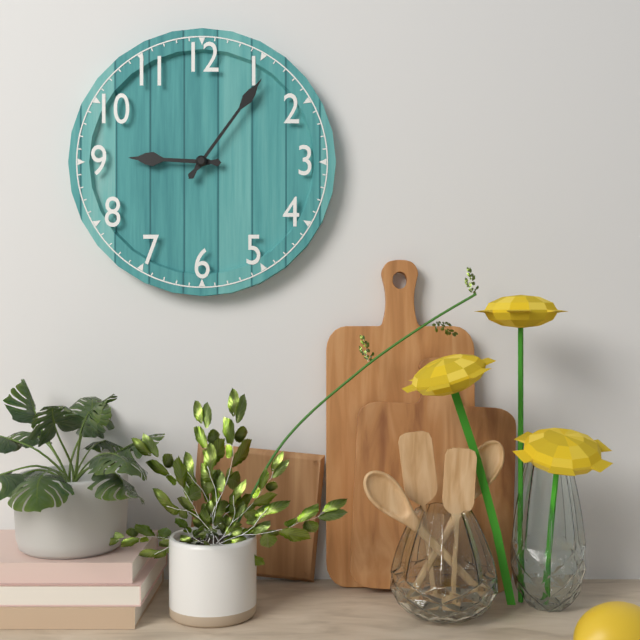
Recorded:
9,06
